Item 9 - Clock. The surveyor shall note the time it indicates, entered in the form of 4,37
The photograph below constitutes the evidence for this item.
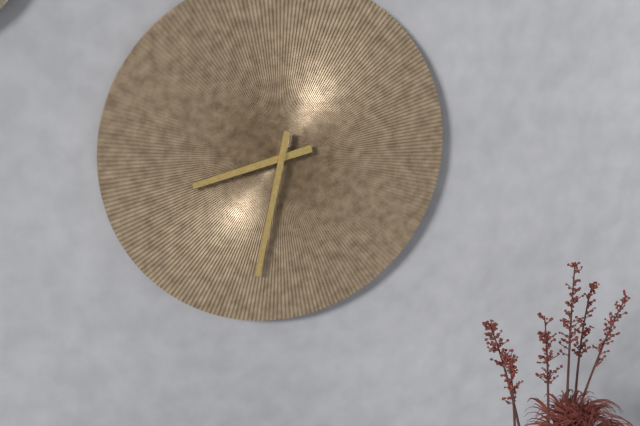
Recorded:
8,32
